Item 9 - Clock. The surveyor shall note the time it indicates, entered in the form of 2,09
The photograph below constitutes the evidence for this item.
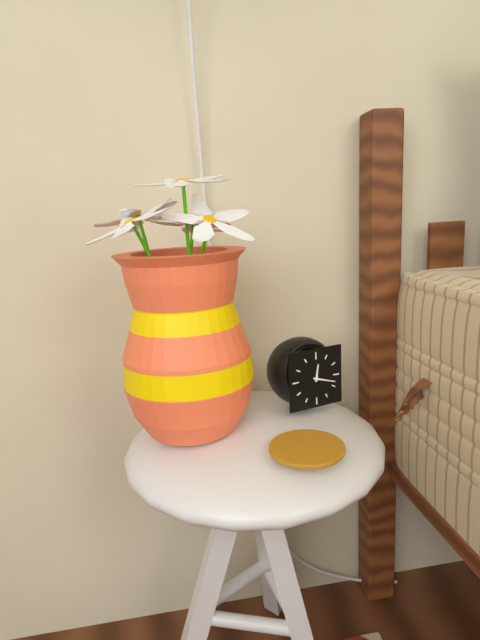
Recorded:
12,18
